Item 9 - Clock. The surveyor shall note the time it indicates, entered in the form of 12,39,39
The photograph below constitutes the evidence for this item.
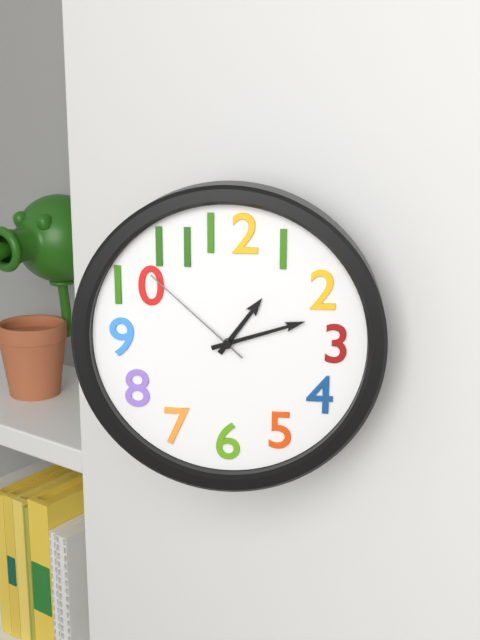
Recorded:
1,12,52
